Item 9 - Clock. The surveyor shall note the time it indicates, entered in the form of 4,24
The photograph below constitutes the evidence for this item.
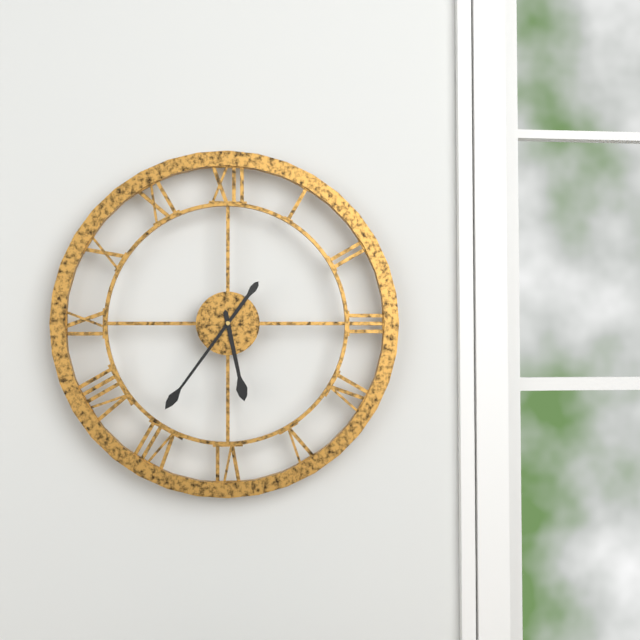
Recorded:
5,36
